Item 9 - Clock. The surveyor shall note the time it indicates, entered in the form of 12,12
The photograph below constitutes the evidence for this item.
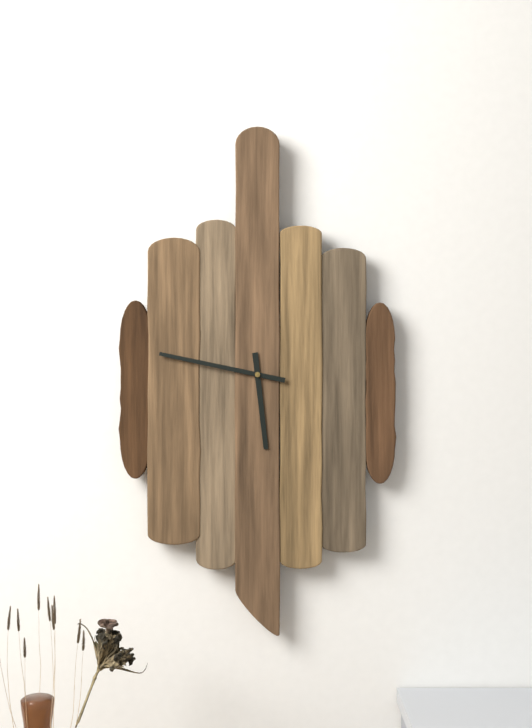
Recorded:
5,47
